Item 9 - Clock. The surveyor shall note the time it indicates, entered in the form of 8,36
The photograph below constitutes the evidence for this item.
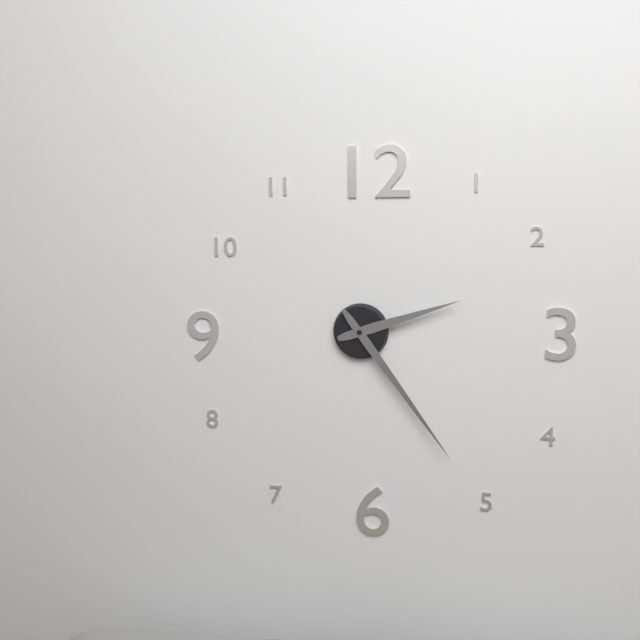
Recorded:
2,24
